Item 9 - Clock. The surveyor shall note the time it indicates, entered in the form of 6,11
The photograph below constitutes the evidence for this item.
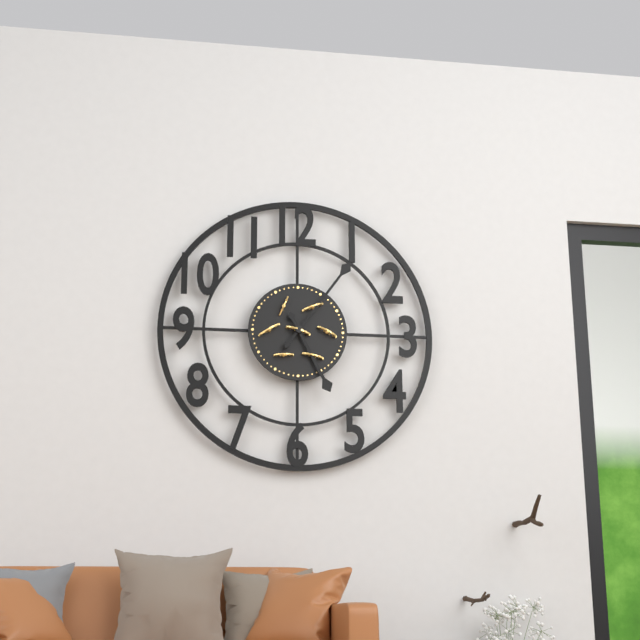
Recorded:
5,06
